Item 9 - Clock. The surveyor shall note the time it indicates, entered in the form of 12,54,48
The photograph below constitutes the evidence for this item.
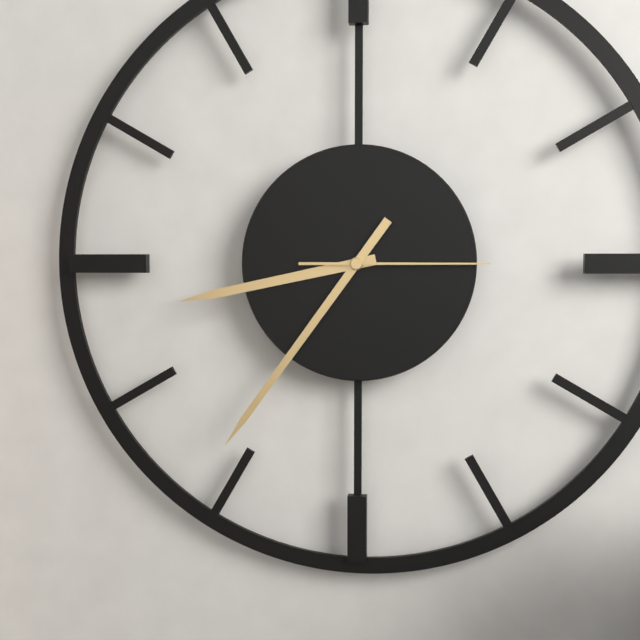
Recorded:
8,36,15
